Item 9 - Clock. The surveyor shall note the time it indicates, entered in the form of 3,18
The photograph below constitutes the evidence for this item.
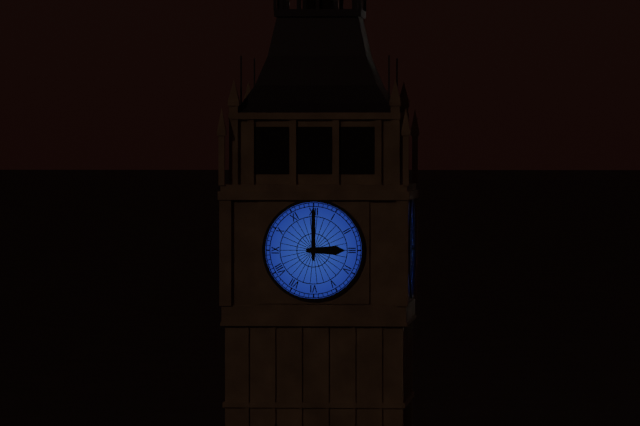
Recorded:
3,00
